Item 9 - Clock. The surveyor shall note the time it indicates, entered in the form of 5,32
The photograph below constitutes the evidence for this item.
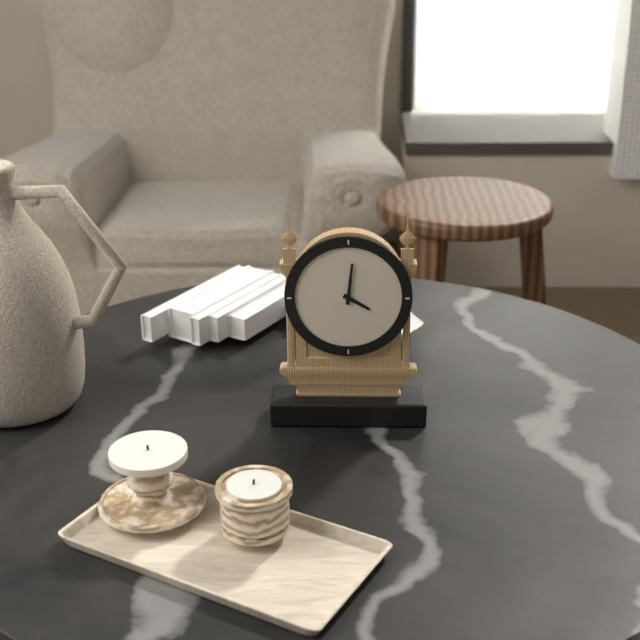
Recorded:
4,01
